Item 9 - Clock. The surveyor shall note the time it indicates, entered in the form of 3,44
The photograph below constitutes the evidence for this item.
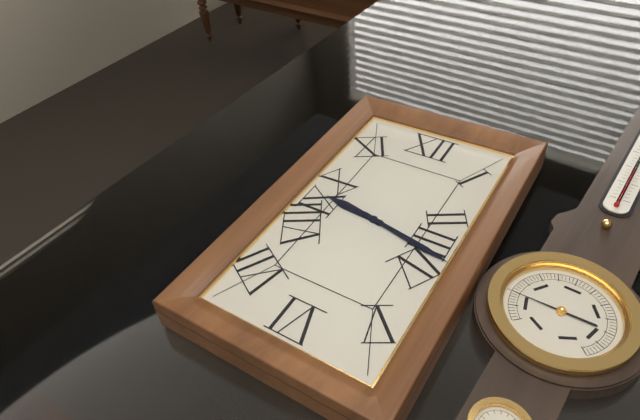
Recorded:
9,17
